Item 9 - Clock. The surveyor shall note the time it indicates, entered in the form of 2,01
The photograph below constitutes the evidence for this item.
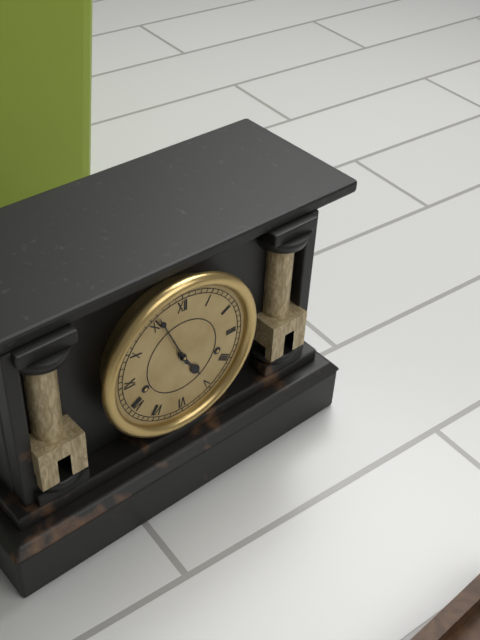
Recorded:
4,56
